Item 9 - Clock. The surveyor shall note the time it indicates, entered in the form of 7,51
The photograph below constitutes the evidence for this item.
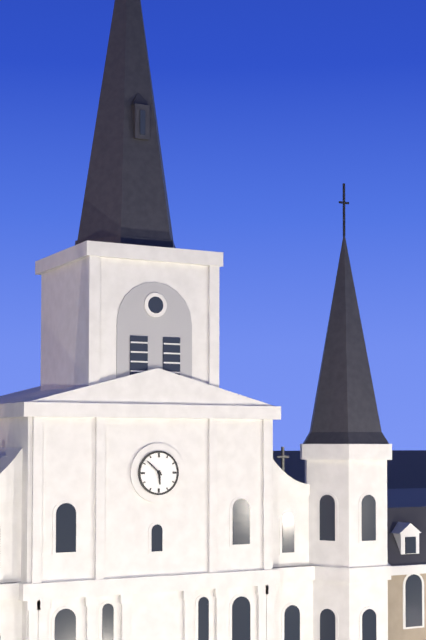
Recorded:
5,52
